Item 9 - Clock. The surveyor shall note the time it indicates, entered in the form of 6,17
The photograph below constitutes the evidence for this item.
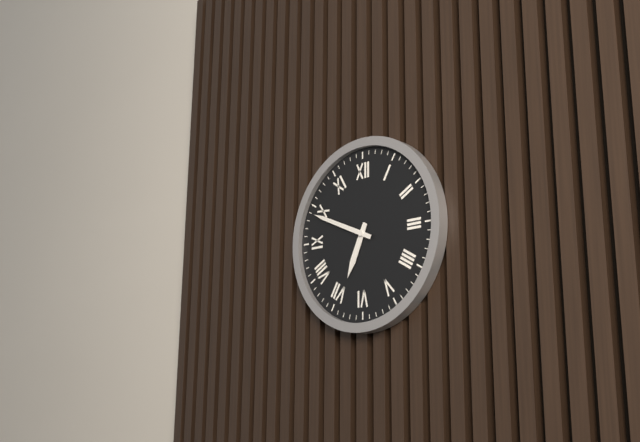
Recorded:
6,49
